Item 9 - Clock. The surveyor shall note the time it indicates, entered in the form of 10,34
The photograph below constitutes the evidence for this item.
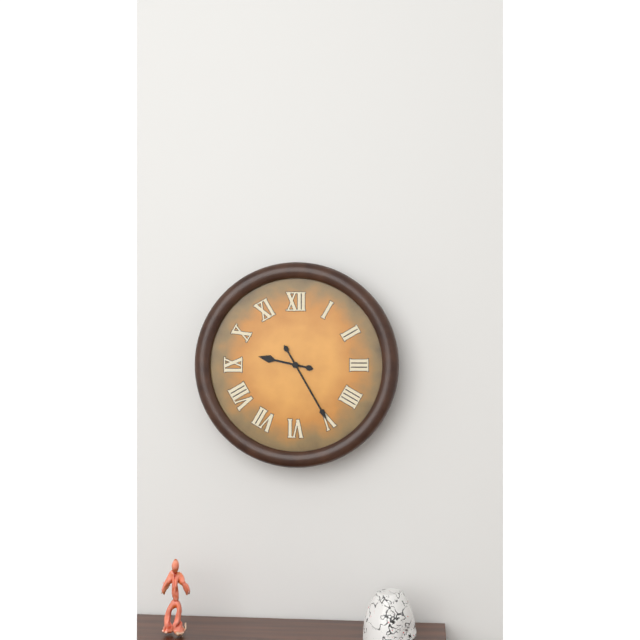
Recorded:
9,25
